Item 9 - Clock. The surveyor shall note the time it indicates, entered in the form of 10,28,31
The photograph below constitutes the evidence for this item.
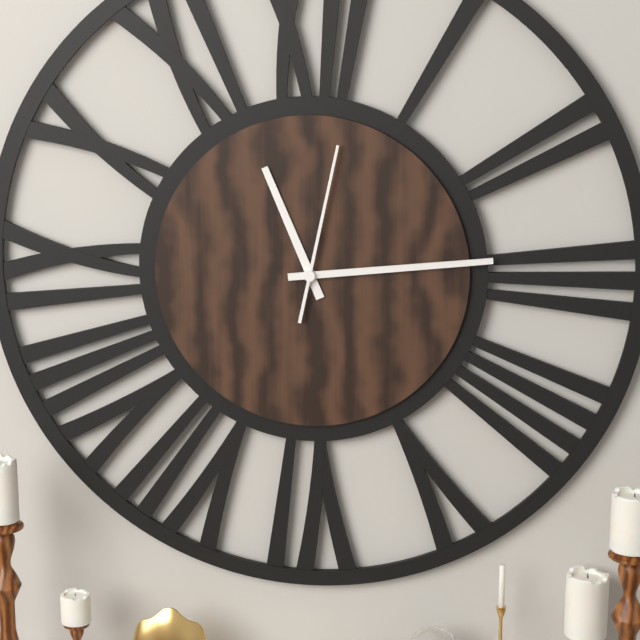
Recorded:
11,14,02
